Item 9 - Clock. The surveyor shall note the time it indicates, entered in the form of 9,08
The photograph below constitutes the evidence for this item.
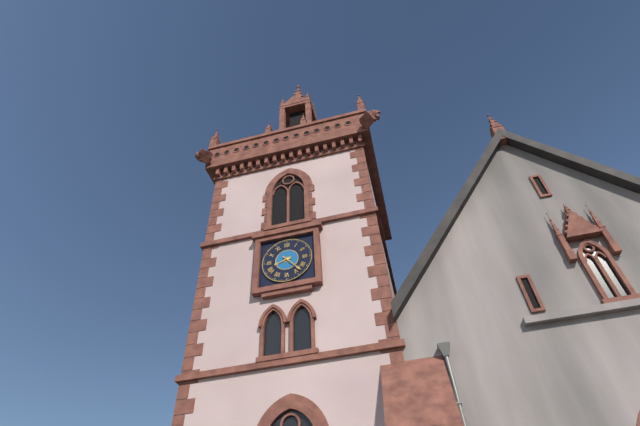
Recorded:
8,23
